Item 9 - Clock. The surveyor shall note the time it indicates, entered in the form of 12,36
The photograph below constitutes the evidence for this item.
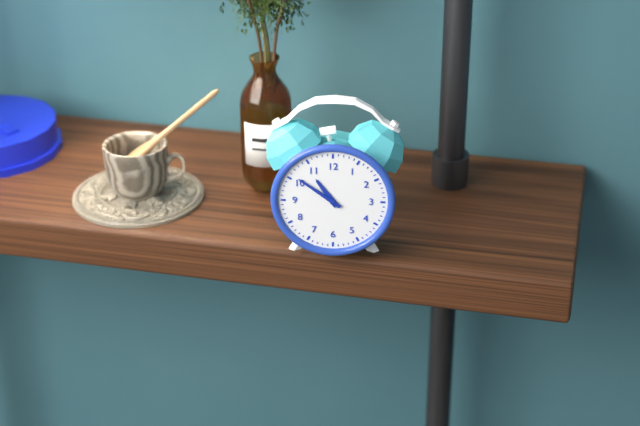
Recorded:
10,51
